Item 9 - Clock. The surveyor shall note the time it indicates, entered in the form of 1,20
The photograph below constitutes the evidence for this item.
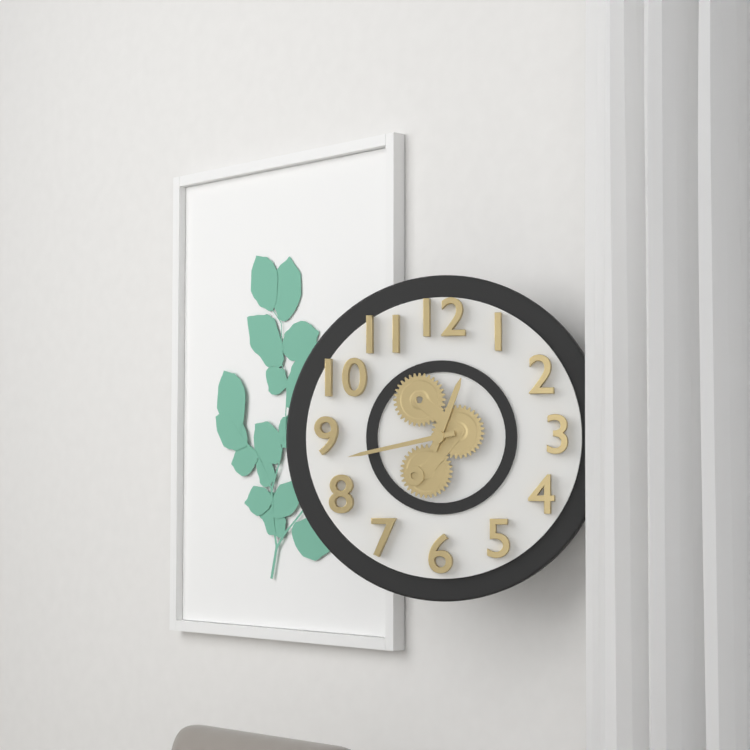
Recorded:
12,43
